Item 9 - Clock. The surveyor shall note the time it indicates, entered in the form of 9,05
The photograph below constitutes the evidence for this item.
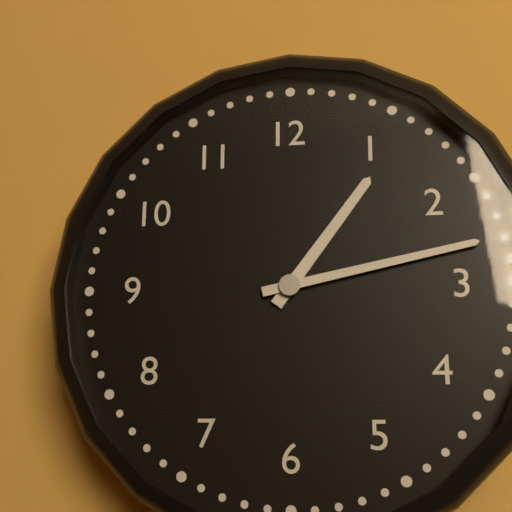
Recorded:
1,13
